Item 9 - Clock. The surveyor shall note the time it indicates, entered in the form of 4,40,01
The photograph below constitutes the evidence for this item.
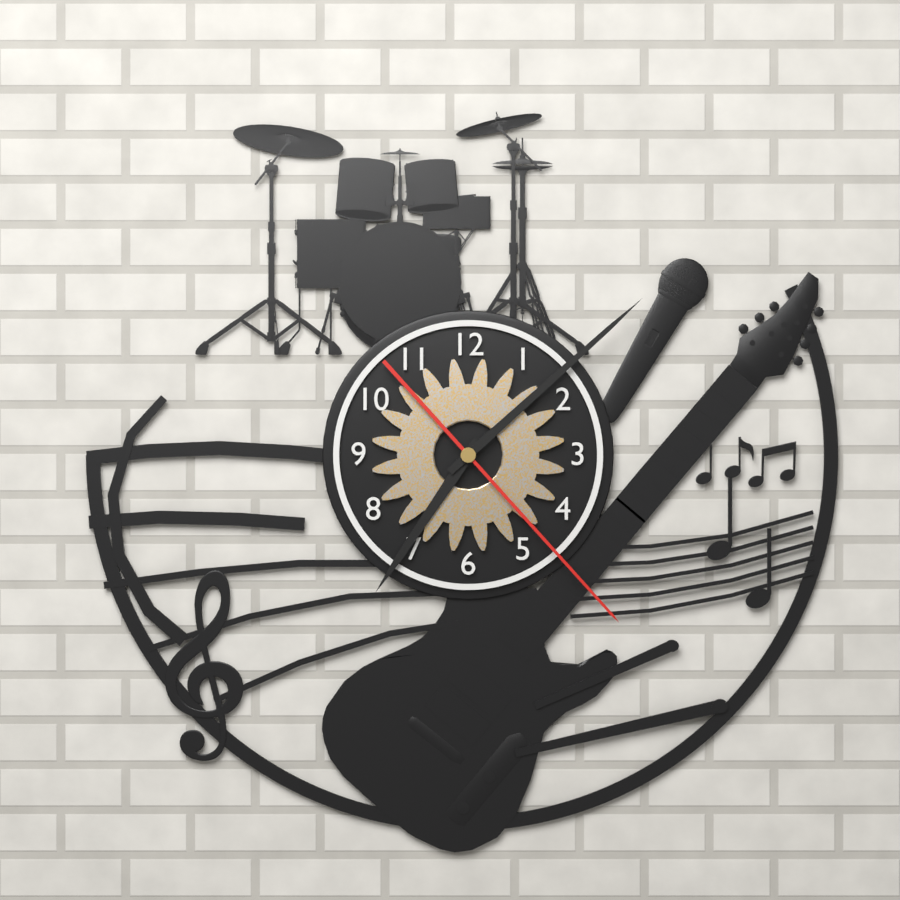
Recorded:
7,08,23
